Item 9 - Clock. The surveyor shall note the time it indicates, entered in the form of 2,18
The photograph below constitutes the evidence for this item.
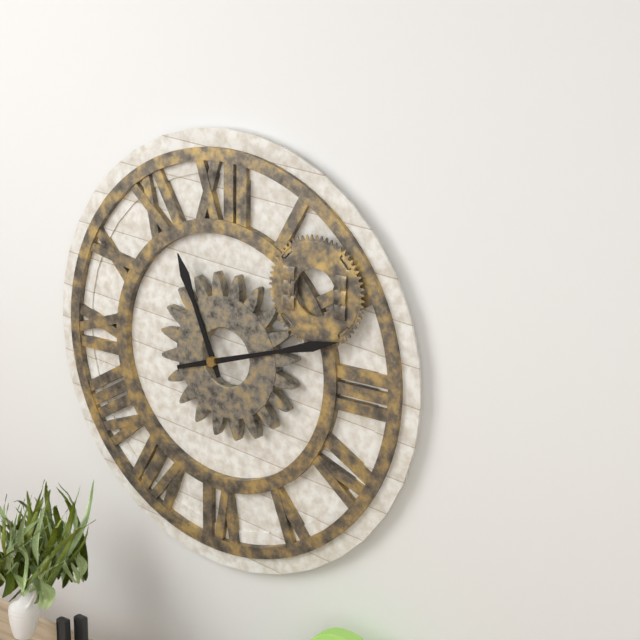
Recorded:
11,12
